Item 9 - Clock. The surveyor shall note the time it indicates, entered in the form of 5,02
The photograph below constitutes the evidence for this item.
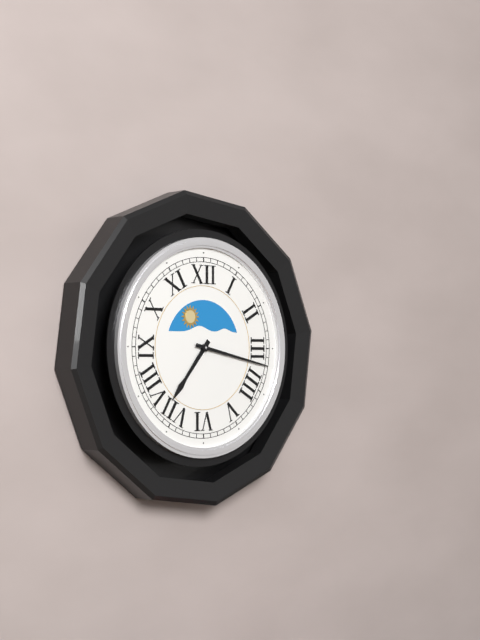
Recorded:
7,17
